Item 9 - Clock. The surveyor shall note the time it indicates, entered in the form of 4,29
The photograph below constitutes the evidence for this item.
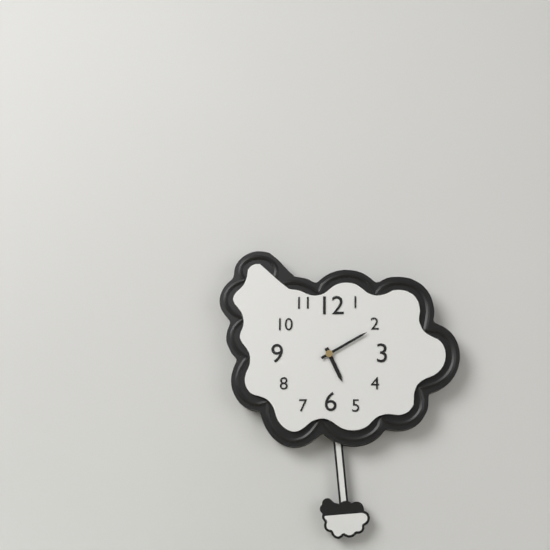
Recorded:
5,10
